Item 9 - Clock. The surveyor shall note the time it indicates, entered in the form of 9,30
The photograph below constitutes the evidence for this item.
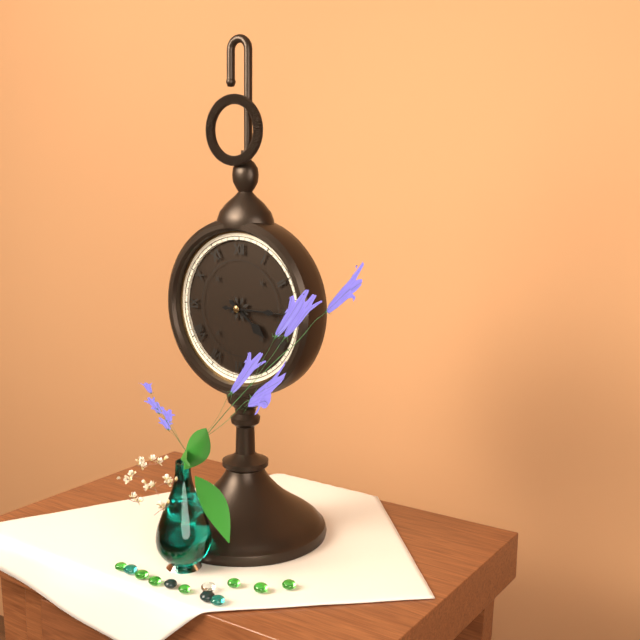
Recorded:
4,15
